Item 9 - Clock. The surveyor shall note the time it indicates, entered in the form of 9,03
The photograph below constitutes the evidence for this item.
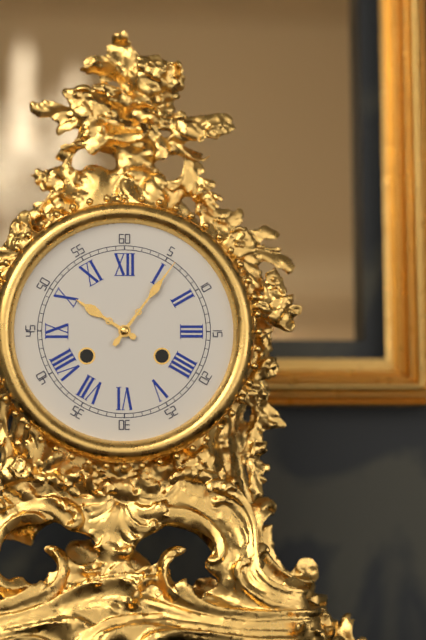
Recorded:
10,06
